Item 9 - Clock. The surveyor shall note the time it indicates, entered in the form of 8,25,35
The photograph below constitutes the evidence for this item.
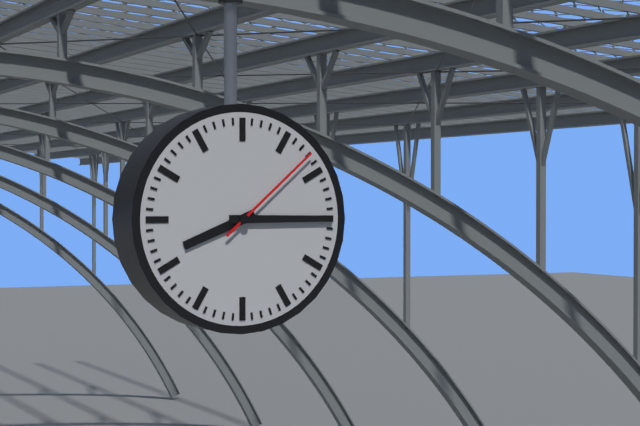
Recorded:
8,15,08
